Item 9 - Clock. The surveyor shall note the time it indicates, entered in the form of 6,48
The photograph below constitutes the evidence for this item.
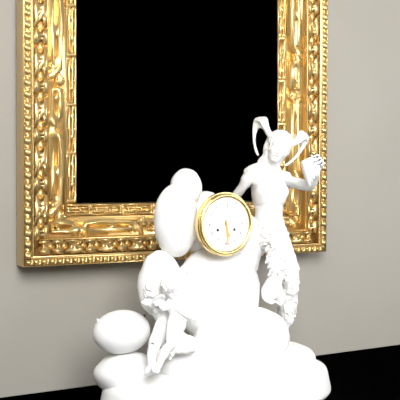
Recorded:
5,29
